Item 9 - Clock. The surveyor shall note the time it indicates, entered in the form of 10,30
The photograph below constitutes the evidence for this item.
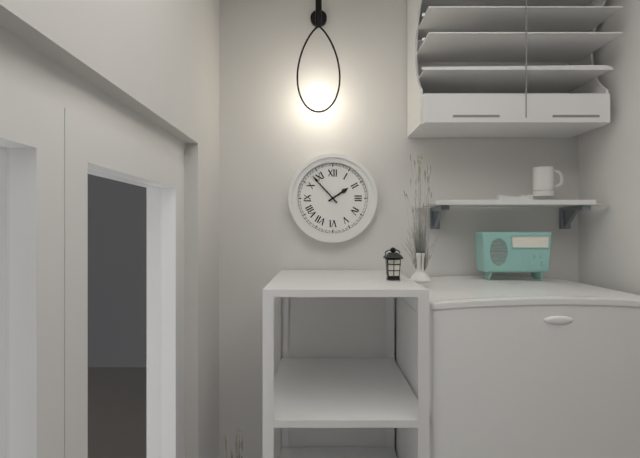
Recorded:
1,53
